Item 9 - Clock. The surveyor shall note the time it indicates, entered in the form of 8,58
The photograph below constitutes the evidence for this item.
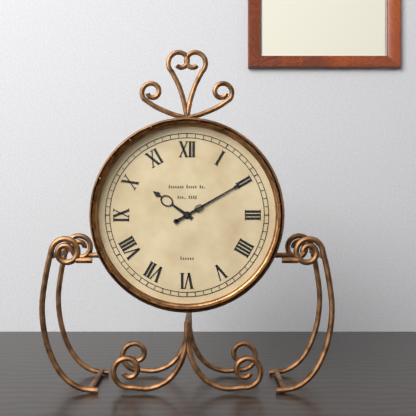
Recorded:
10,10
